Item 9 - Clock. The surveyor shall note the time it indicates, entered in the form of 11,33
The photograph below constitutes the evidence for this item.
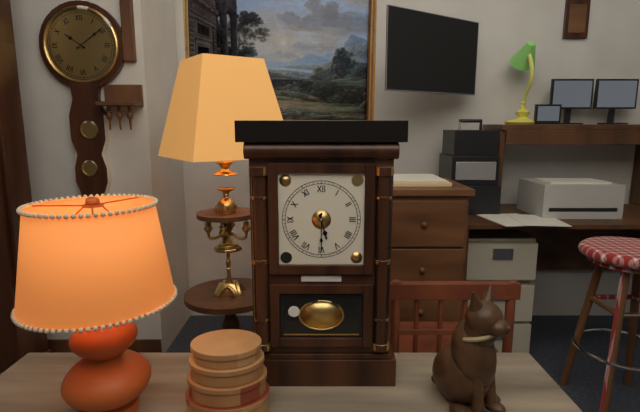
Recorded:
5,30
